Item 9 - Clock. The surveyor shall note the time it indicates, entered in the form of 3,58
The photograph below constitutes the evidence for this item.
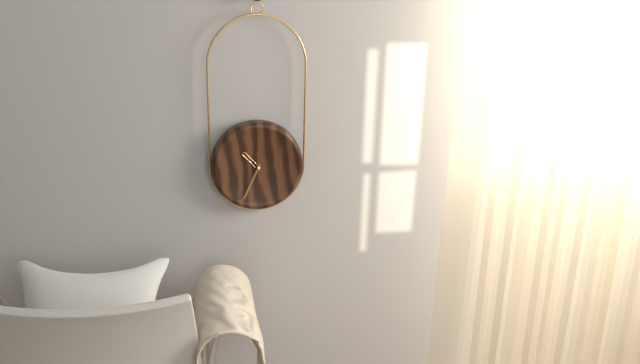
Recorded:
10,34
